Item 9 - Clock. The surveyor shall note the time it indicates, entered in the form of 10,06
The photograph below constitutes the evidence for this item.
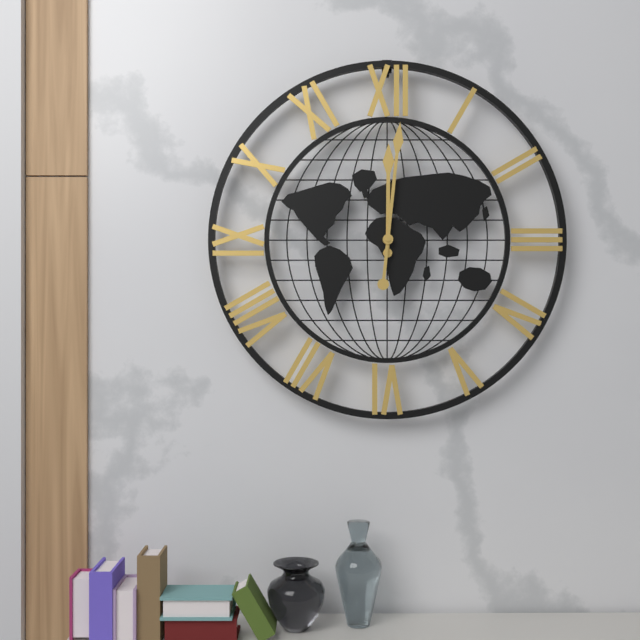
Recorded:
12,01
